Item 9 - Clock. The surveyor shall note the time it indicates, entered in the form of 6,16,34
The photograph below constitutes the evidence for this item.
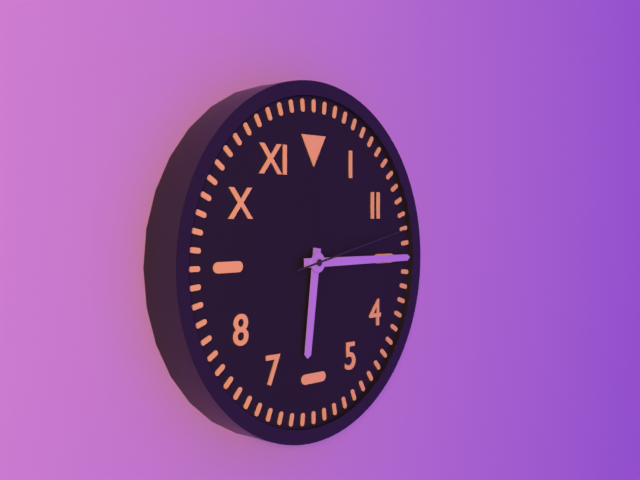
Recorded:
6,15,13
